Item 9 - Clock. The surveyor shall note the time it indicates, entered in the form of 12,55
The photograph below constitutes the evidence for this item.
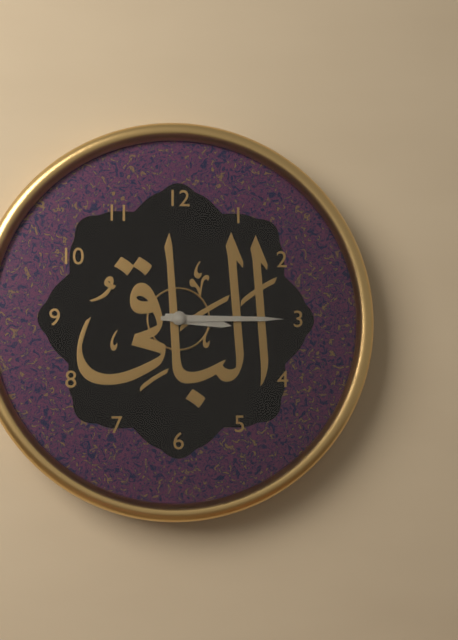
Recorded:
3,15
